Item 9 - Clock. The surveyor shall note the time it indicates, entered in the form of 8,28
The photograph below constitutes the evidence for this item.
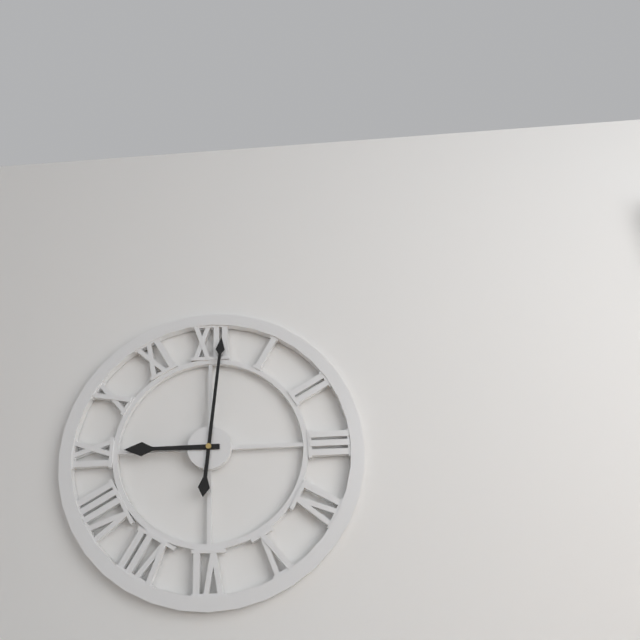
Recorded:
9,01
